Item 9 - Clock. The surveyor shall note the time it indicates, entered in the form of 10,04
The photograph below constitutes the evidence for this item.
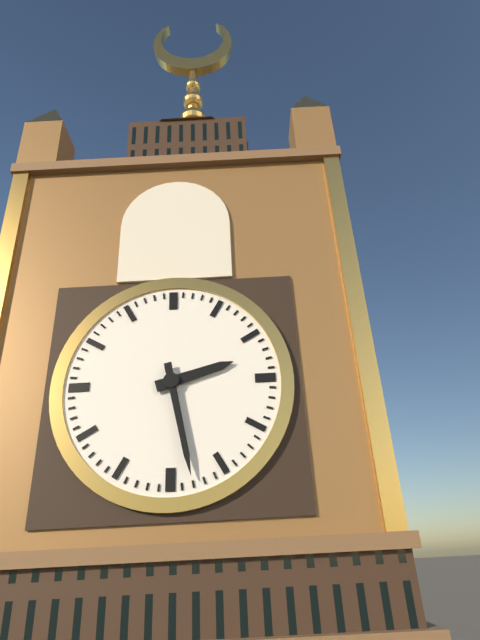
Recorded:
2,28
